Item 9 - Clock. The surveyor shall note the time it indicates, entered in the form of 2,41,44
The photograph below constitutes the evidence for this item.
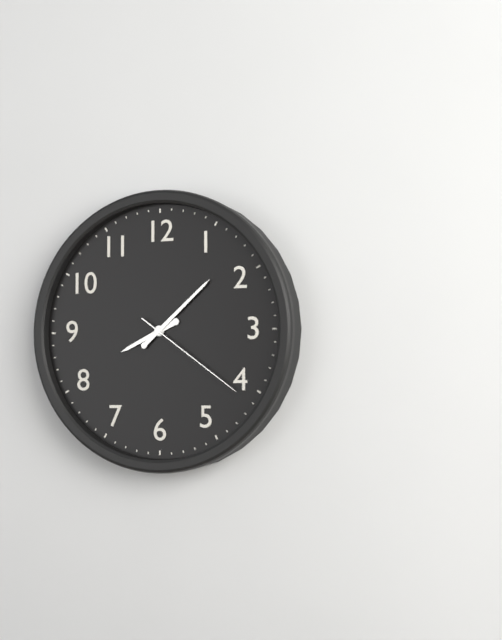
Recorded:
8,08,21
